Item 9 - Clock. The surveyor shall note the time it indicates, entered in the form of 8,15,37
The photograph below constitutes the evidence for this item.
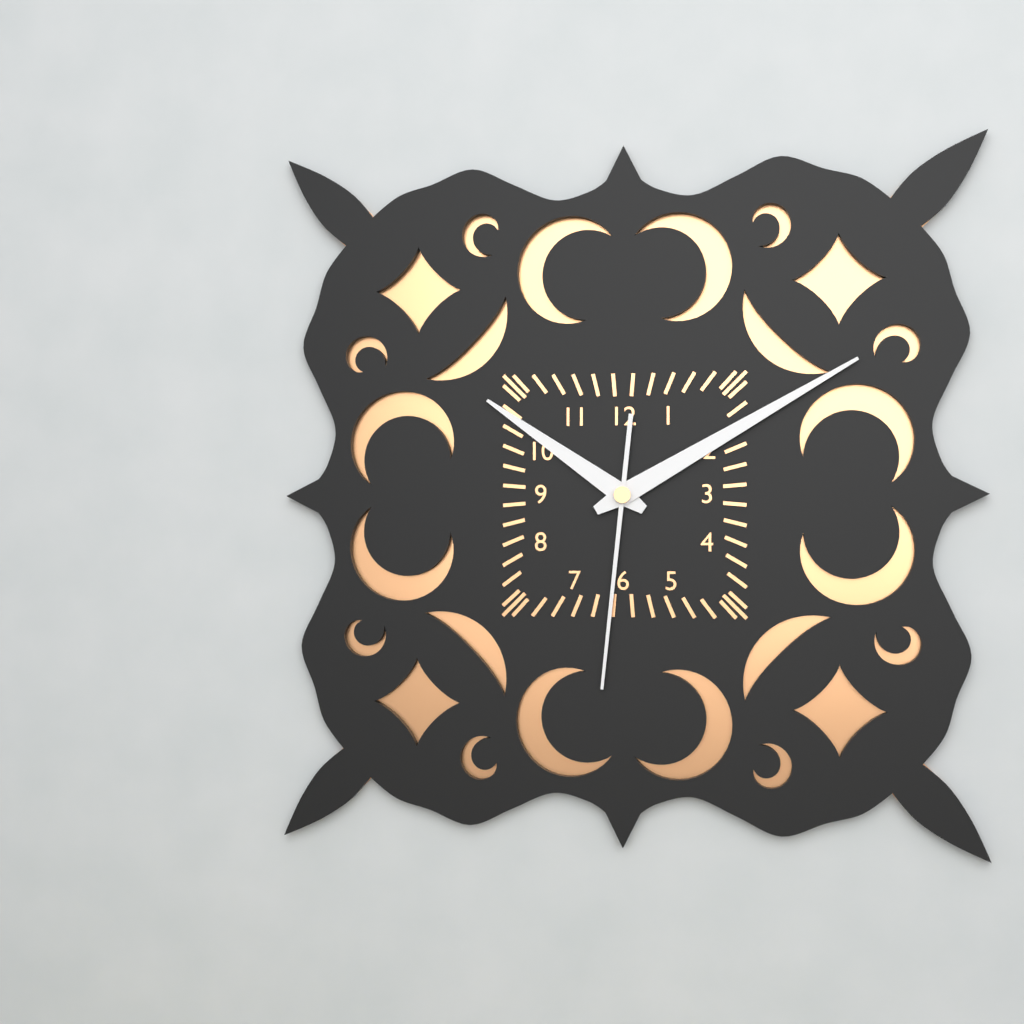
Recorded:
10,10,31
